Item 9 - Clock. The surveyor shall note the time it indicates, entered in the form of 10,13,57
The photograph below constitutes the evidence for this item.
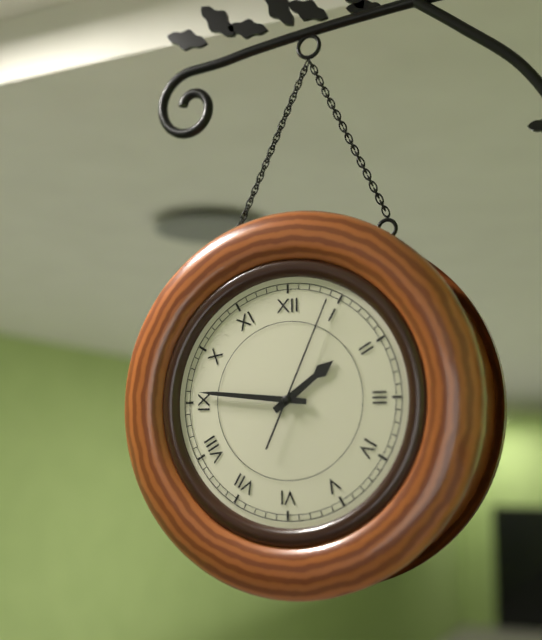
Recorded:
1,46,04
